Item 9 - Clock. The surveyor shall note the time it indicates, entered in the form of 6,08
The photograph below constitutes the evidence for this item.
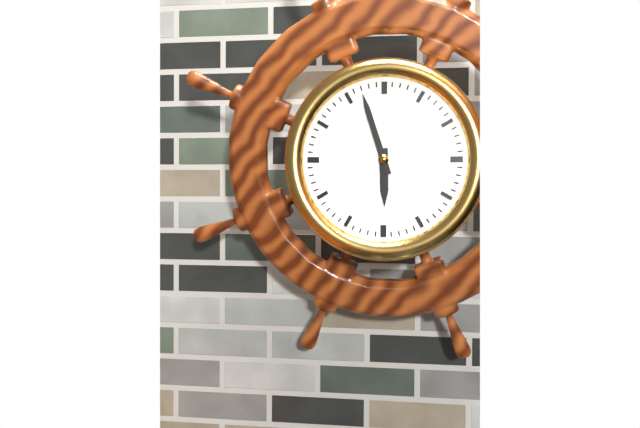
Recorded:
5,57
